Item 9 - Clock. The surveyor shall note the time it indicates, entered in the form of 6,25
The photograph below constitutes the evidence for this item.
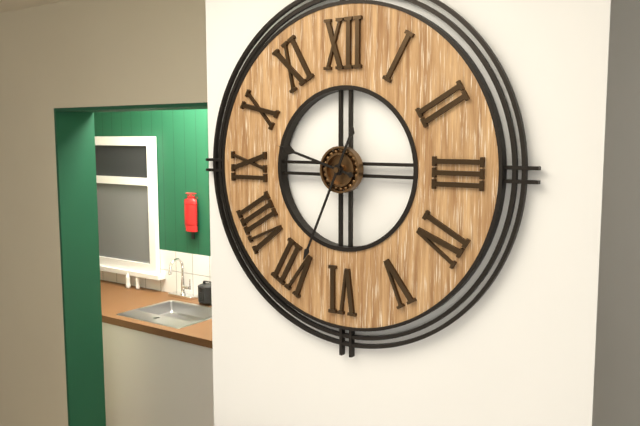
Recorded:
9,34
